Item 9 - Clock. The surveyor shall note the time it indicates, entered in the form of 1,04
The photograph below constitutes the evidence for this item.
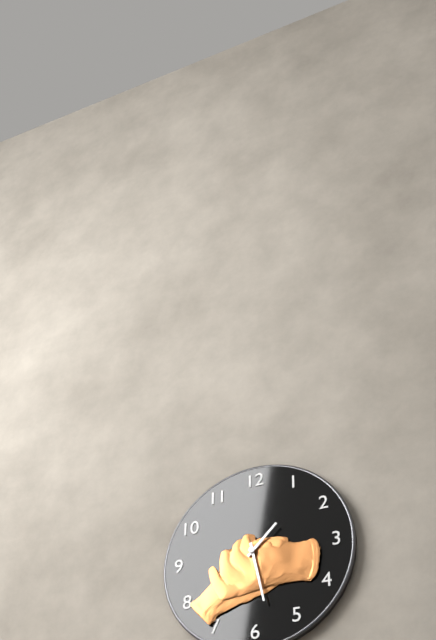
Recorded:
1,28
